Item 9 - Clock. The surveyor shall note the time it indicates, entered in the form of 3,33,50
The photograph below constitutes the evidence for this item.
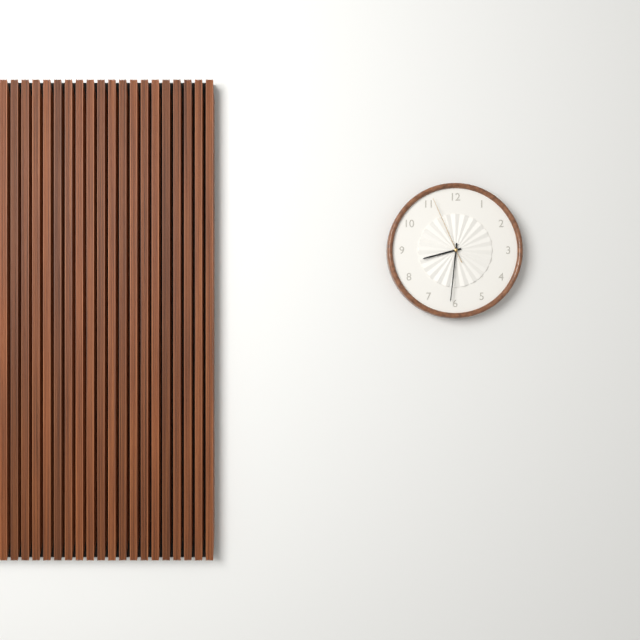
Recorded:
8,31,56
